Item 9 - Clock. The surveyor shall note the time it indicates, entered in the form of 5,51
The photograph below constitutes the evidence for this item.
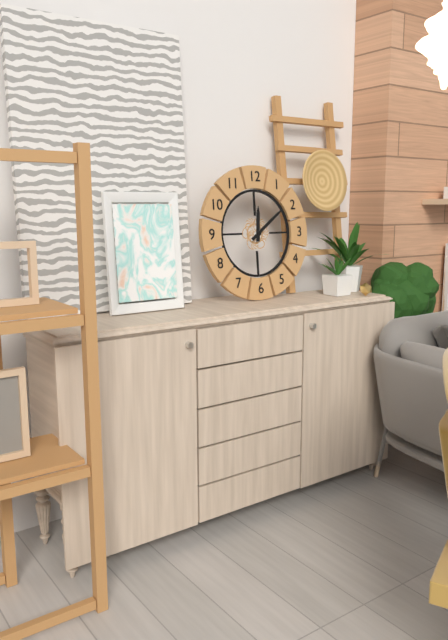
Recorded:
12,09
